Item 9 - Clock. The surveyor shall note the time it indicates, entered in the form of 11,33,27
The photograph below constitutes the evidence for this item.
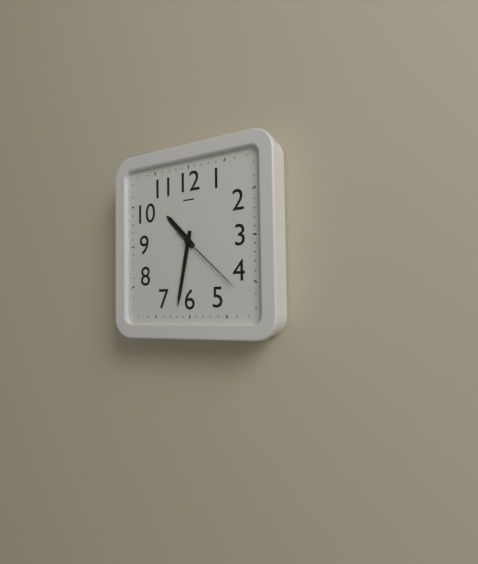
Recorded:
10,32,22
